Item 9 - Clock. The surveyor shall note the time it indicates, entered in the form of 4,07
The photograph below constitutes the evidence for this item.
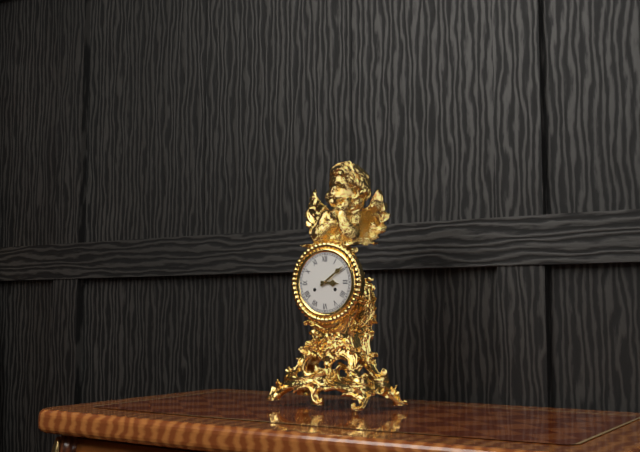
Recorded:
3,09
